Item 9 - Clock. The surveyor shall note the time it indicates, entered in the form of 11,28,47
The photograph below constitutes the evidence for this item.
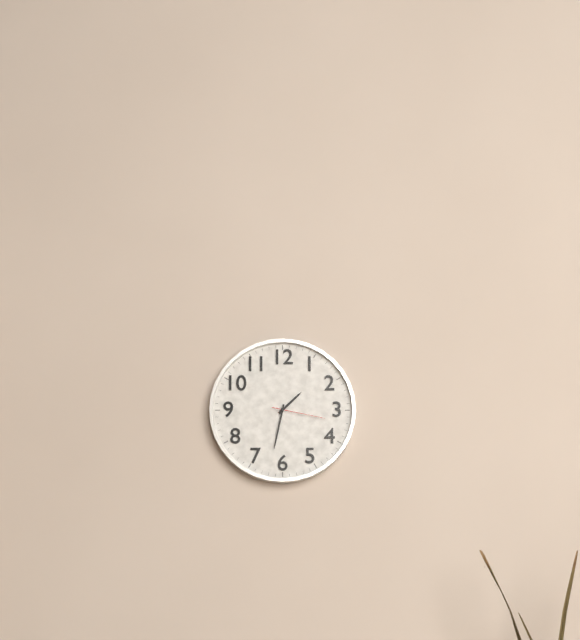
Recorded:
1,32,17
